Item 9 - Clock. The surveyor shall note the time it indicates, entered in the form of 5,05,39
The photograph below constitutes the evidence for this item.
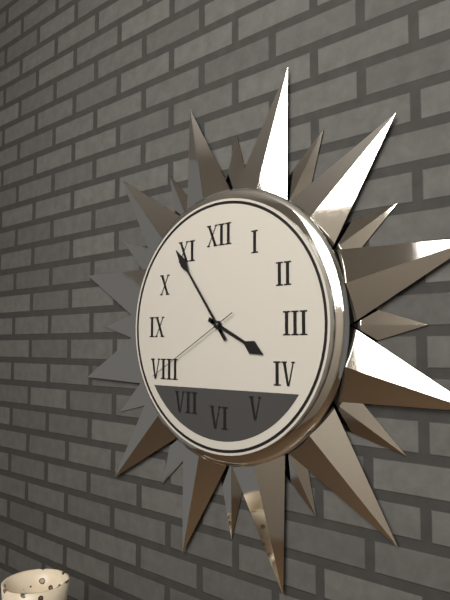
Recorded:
3,54,40
